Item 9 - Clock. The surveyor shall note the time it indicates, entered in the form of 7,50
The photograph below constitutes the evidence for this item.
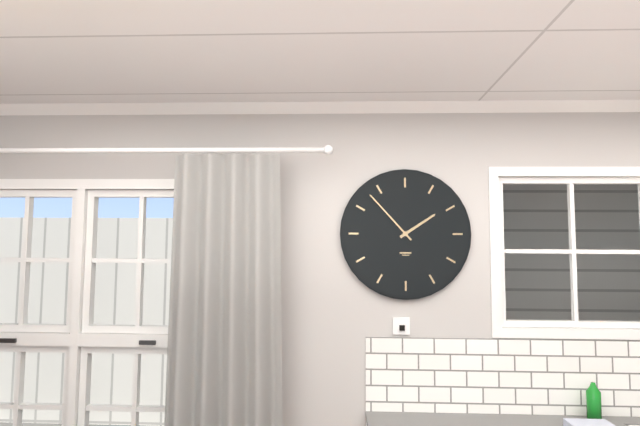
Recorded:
1,53
